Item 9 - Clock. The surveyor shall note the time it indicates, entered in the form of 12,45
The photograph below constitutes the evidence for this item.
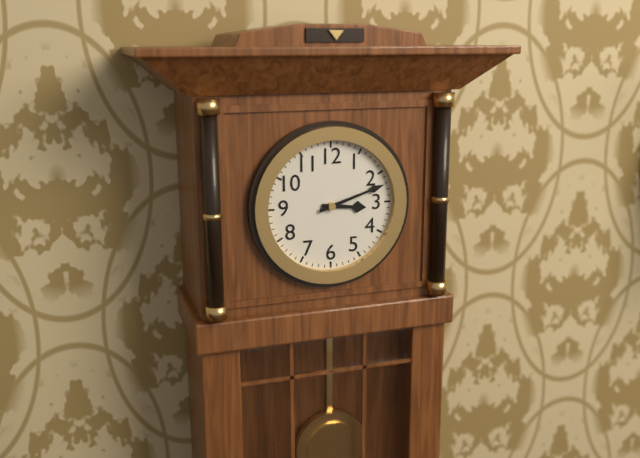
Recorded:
3,12
